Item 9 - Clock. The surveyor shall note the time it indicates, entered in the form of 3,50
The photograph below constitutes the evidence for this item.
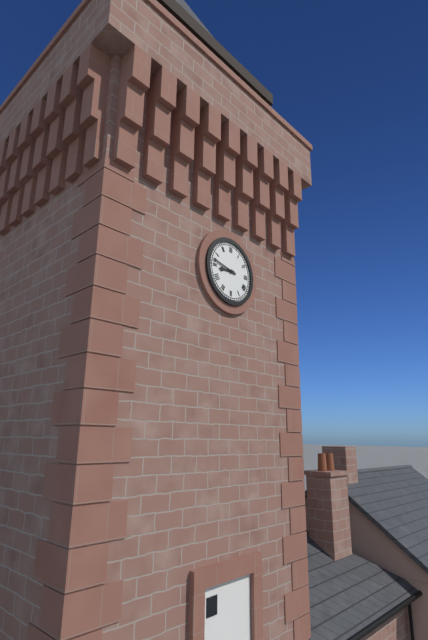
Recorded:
8,47
